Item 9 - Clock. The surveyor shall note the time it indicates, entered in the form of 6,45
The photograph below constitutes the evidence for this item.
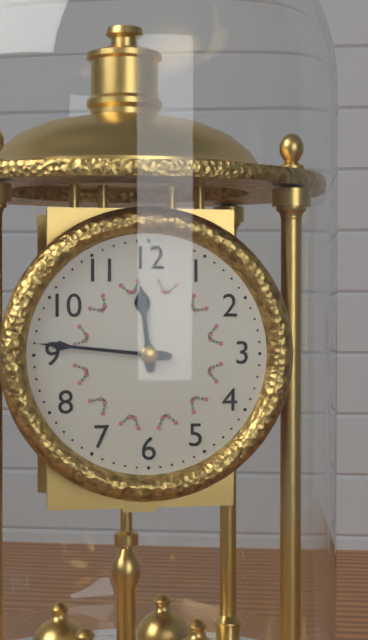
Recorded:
11,46
